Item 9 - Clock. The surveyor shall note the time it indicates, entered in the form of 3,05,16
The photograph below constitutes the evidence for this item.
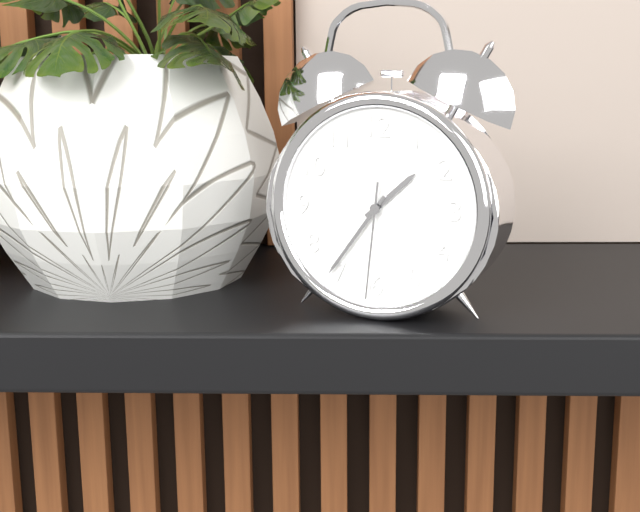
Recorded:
1,36,31
